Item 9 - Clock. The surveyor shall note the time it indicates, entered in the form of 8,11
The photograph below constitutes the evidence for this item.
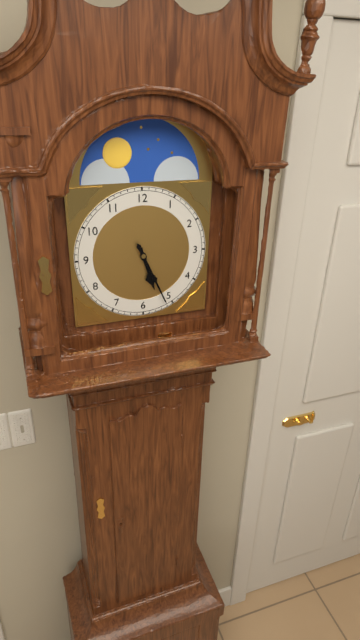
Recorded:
5,26
